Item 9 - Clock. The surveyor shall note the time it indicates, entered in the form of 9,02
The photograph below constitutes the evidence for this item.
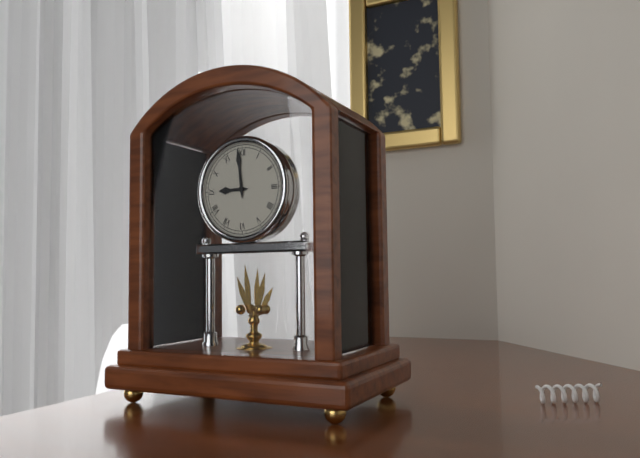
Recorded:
8,59
